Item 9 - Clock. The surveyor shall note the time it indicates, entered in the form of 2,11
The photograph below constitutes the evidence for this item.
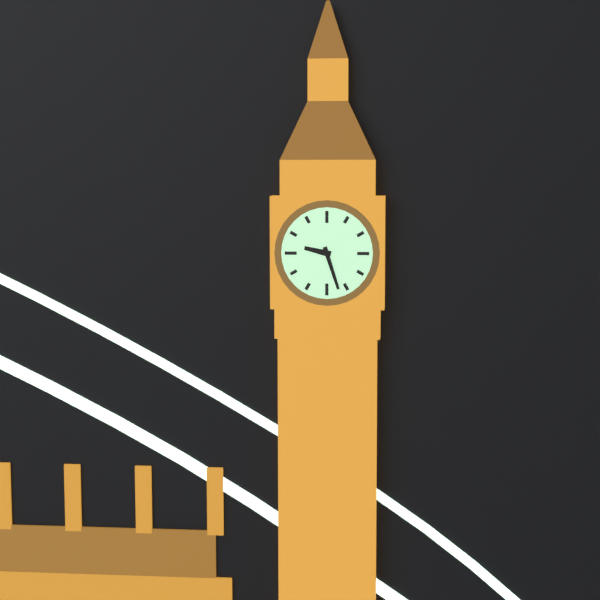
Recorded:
9,27
